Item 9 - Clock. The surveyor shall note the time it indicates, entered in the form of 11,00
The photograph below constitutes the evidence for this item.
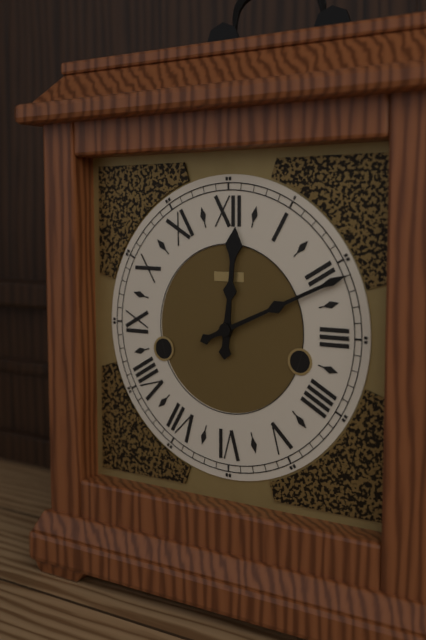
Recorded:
12,11
